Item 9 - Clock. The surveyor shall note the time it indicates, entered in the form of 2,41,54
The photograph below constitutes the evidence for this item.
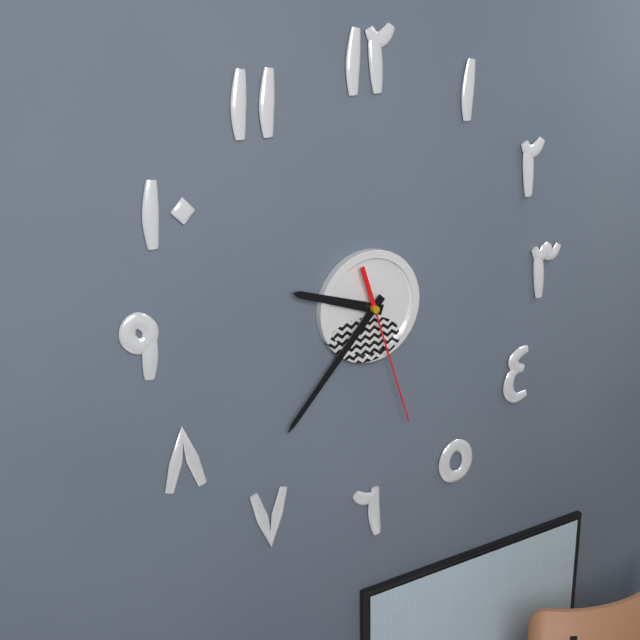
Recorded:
9,37,27
